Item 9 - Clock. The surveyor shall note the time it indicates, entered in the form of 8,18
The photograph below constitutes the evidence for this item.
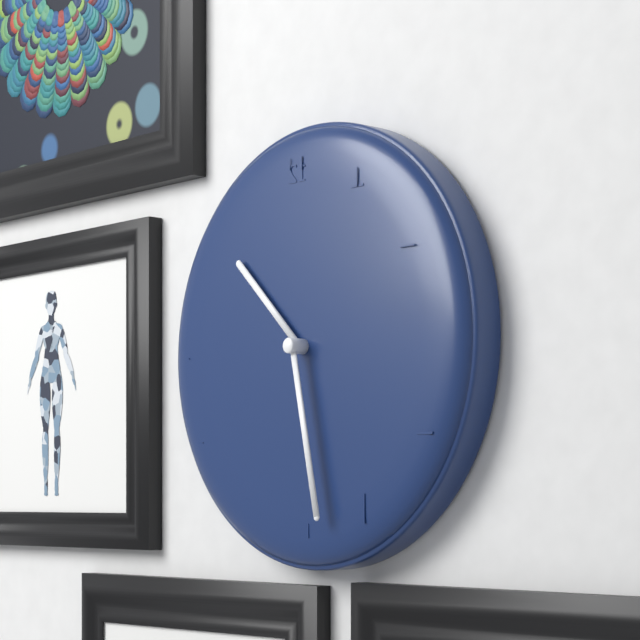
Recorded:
10,28
